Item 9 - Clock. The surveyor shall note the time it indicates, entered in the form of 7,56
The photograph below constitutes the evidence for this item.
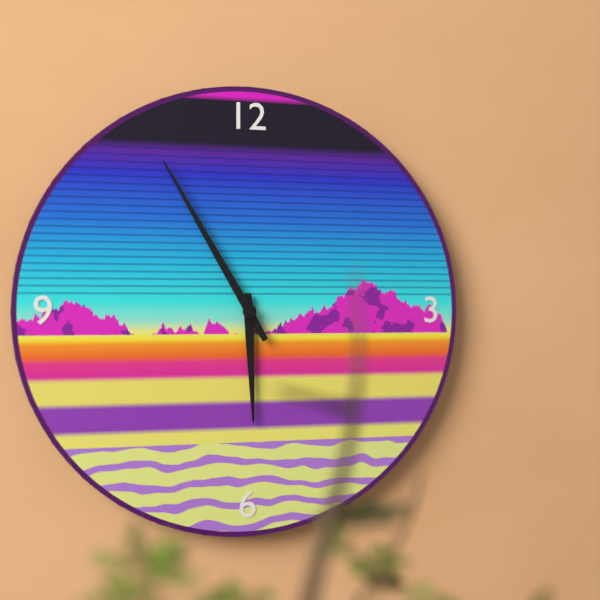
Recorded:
5,55
